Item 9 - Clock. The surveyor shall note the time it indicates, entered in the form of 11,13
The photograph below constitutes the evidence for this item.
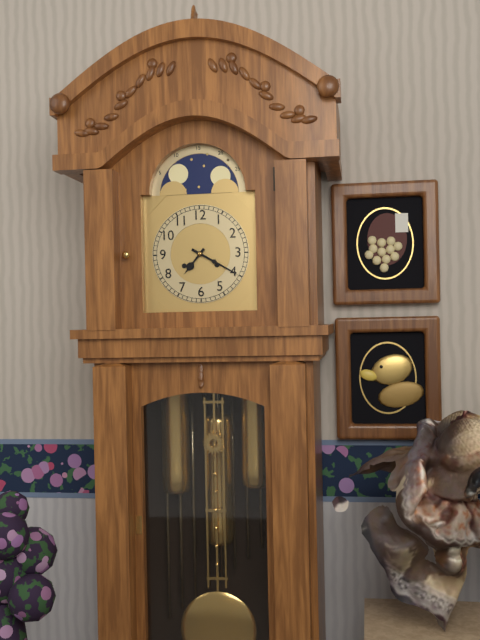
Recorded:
7,20
